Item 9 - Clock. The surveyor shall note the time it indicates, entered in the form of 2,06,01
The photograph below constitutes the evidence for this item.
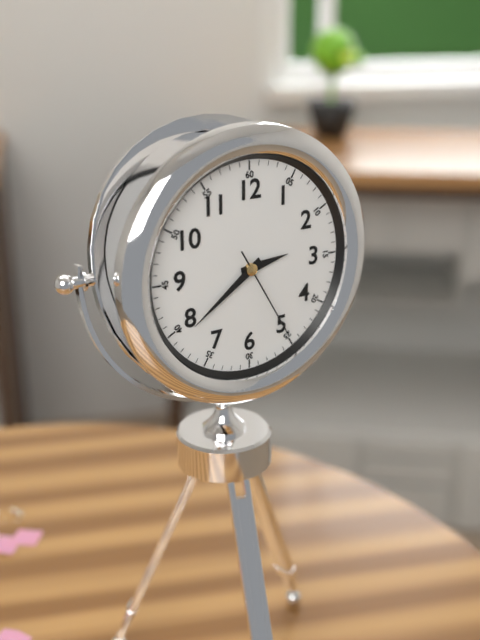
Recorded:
2,39,25
